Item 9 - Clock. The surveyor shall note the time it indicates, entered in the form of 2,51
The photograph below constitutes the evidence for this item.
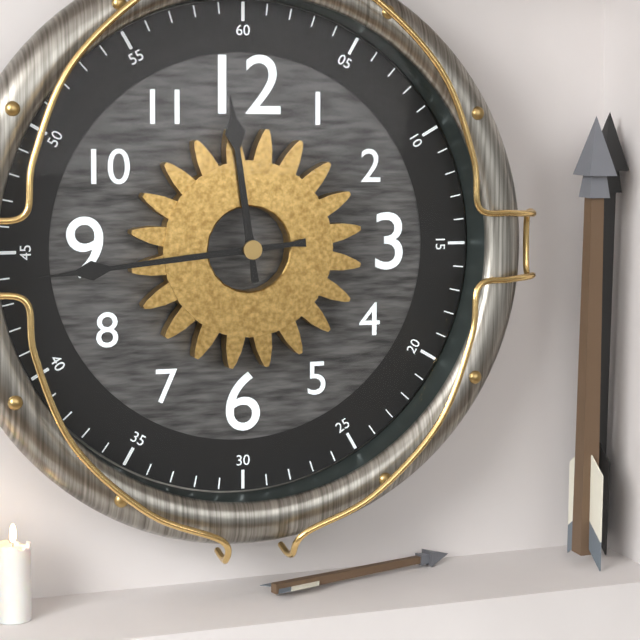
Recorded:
11,44
